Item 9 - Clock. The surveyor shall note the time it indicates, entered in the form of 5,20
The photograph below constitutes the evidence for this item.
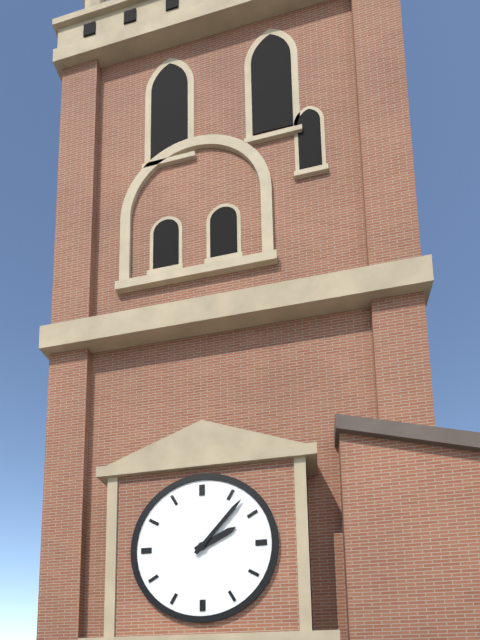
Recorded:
2,07
